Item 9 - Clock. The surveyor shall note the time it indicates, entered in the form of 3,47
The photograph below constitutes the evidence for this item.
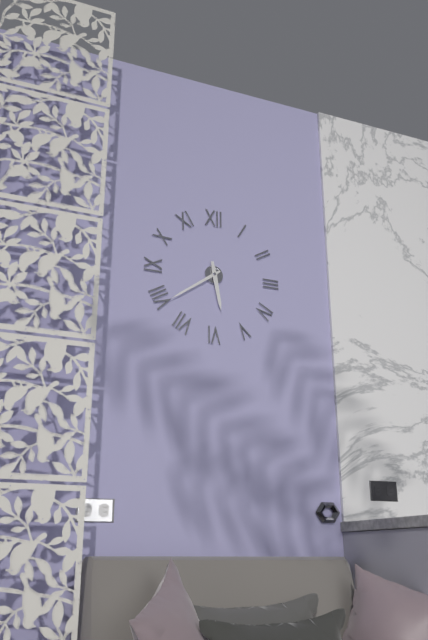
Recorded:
5,39
